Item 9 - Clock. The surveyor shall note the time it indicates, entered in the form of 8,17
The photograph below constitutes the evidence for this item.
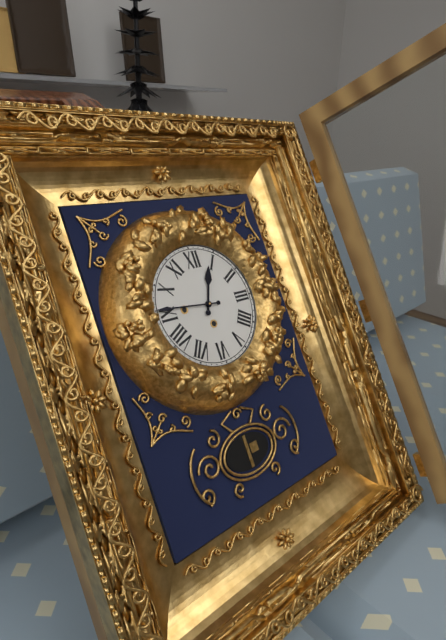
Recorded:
12,46
